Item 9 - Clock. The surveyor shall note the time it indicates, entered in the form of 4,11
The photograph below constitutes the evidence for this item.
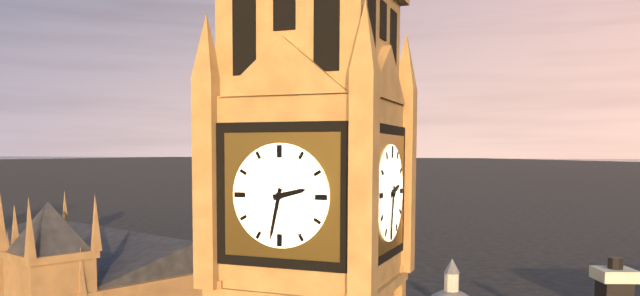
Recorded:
2,32
